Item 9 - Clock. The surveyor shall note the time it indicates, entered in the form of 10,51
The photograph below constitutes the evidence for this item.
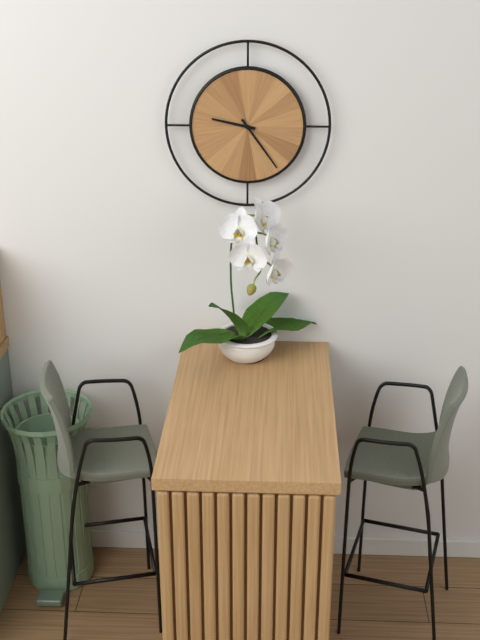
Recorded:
9,24
